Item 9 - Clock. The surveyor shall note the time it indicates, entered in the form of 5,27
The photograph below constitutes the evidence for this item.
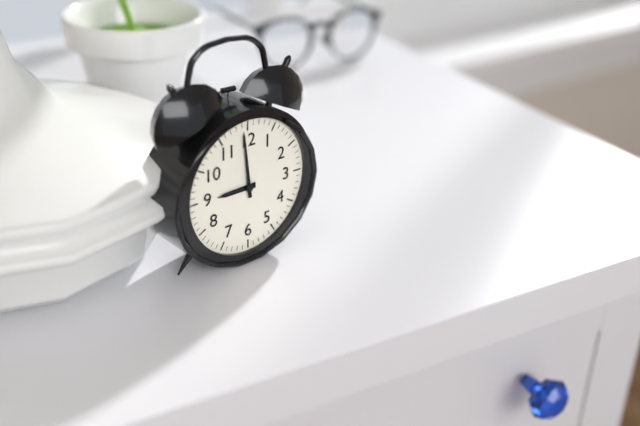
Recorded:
8,59
